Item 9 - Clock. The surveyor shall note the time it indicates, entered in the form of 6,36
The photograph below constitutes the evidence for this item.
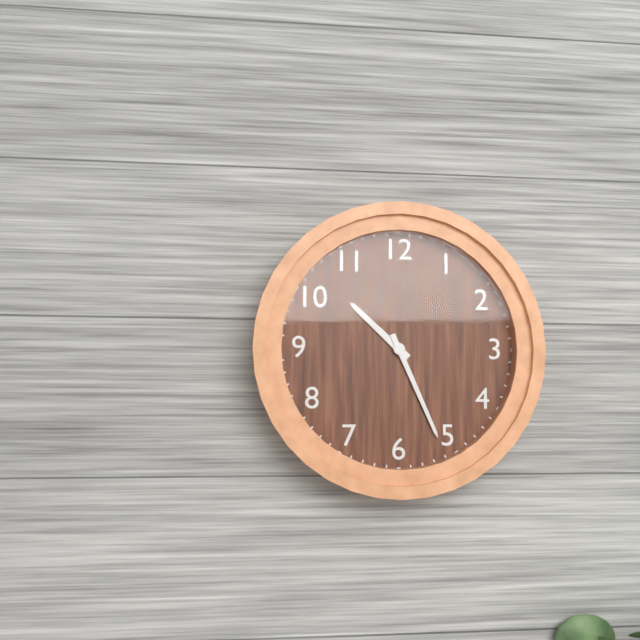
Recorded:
10,26
